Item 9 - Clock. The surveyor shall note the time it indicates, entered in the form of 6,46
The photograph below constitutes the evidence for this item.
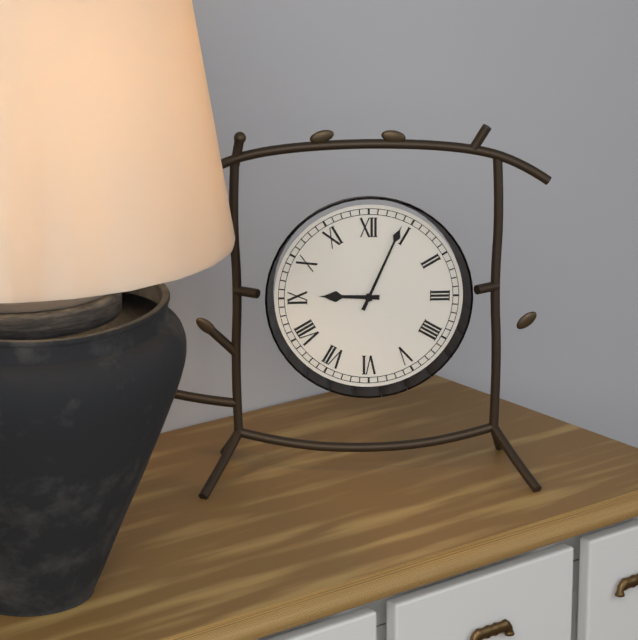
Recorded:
9,04
